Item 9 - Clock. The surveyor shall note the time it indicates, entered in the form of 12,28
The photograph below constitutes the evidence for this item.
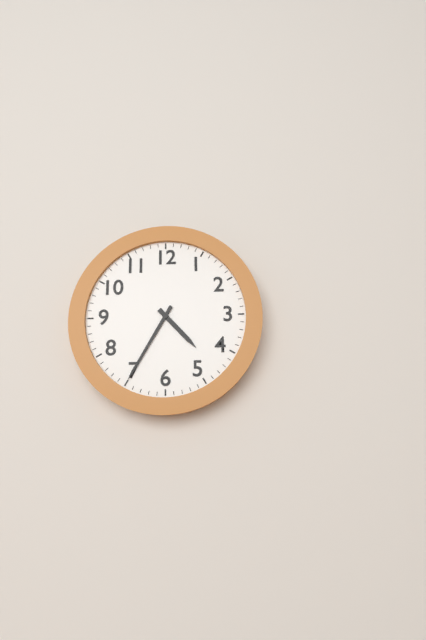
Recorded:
4,35
